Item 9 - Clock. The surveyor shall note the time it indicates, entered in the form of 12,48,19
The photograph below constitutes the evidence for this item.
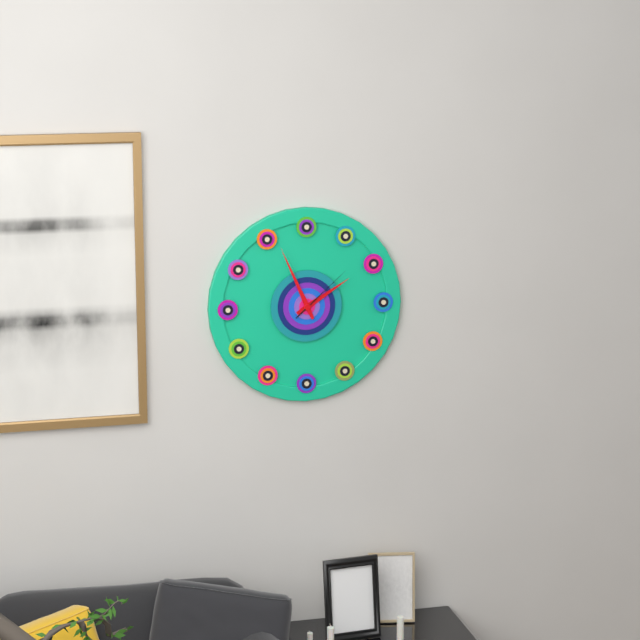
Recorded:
1,56,08
